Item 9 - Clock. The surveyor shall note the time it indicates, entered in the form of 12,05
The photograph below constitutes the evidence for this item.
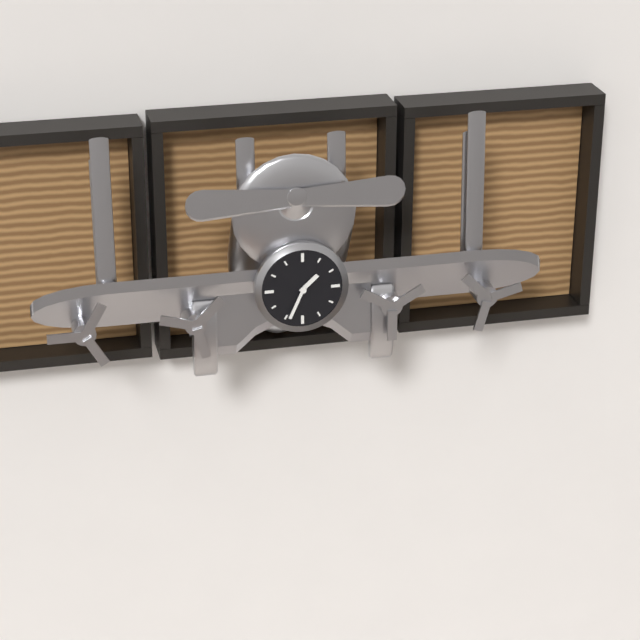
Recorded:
1,34
